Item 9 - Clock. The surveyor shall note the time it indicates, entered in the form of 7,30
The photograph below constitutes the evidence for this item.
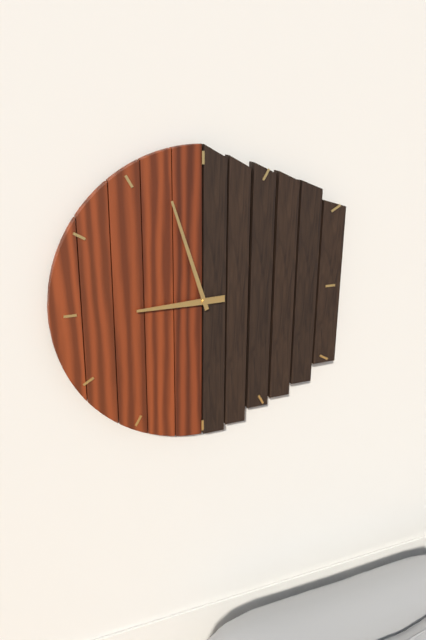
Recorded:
8,57
